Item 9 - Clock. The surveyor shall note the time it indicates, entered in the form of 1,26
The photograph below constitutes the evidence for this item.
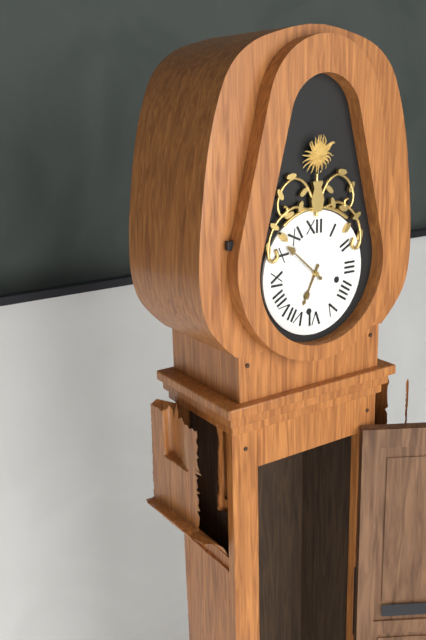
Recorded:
6,52
